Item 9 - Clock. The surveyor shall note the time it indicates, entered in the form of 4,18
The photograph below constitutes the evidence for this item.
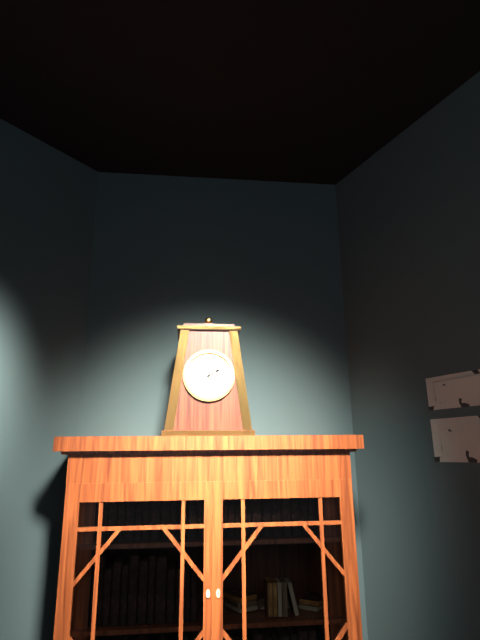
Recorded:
2,01
